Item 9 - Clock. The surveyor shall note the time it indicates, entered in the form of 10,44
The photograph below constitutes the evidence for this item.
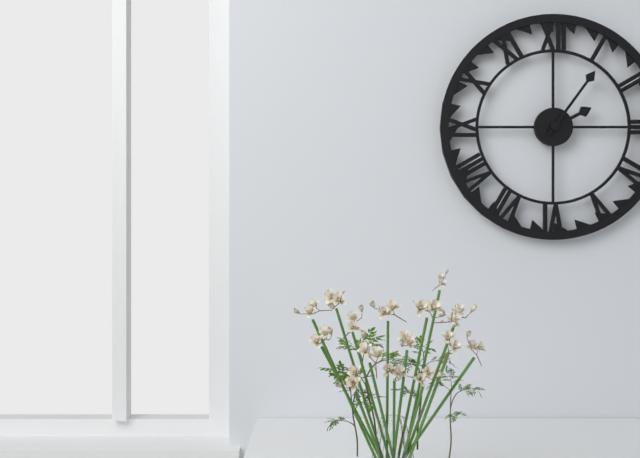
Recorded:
2,06
